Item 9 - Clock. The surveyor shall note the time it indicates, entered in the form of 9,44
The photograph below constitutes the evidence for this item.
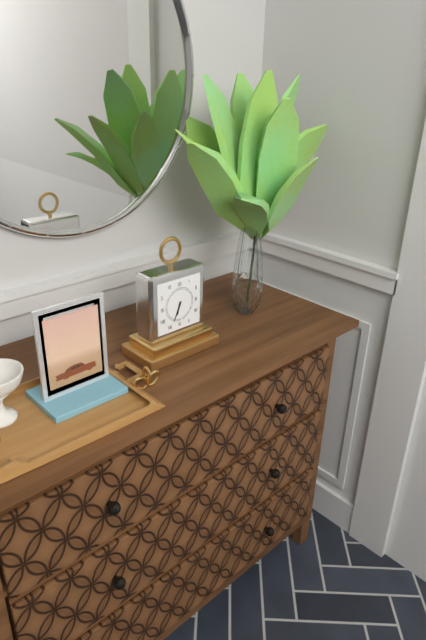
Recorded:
6,34
